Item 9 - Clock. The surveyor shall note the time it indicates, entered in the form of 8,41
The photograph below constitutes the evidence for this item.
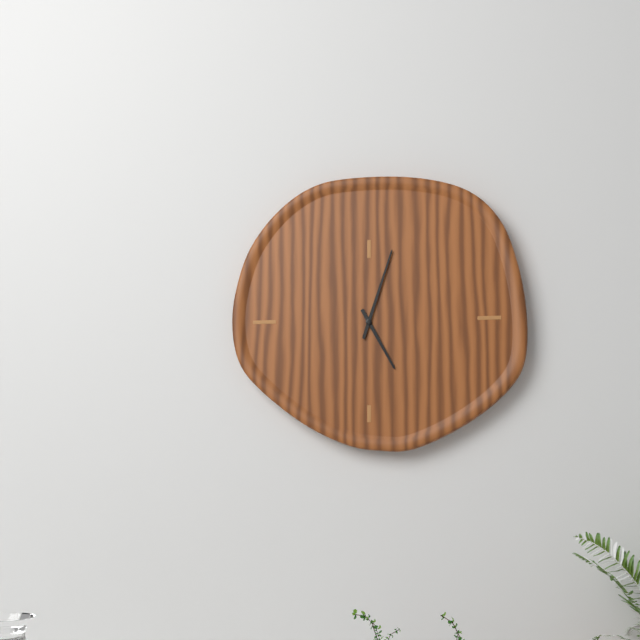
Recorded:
5,03
